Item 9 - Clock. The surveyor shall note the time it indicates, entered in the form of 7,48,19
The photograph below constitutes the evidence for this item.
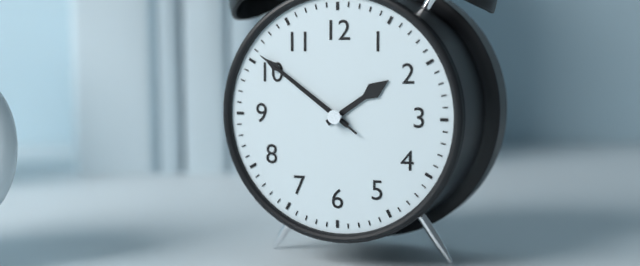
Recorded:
1,51,51
